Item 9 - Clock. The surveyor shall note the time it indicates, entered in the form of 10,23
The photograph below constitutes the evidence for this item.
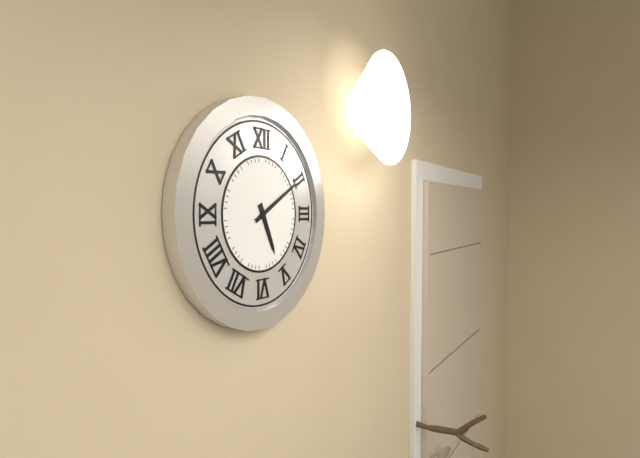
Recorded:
5,10
